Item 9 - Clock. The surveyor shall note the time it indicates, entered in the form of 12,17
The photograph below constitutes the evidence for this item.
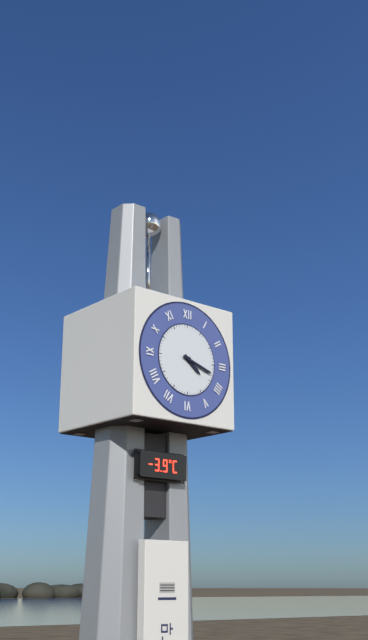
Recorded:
4,18
